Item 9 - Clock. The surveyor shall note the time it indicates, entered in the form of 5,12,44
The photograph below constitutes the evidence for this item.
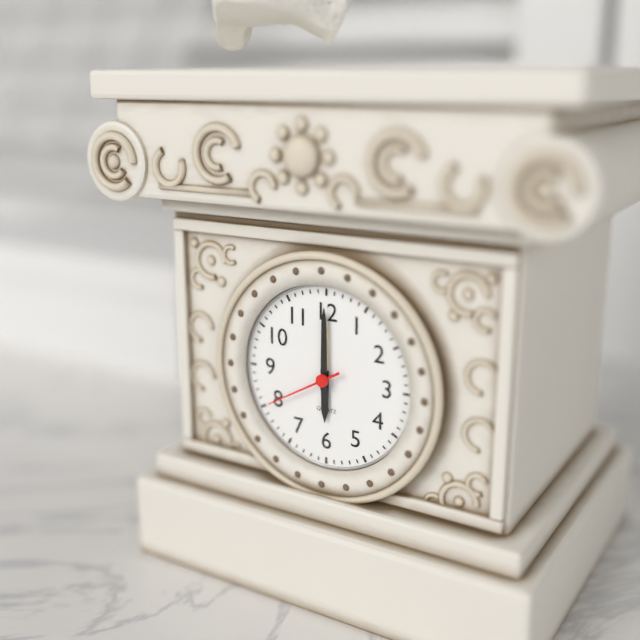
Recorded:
6,00,40
